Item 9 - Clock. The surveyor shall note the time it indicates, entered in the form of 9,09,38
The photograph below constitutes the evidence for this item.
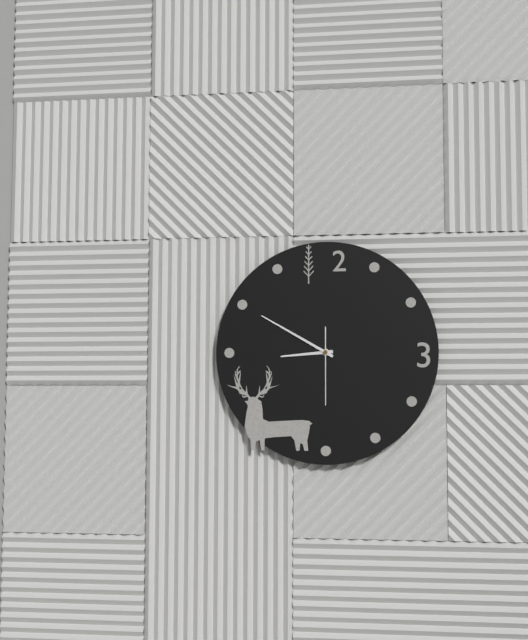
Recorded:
8,50,30
